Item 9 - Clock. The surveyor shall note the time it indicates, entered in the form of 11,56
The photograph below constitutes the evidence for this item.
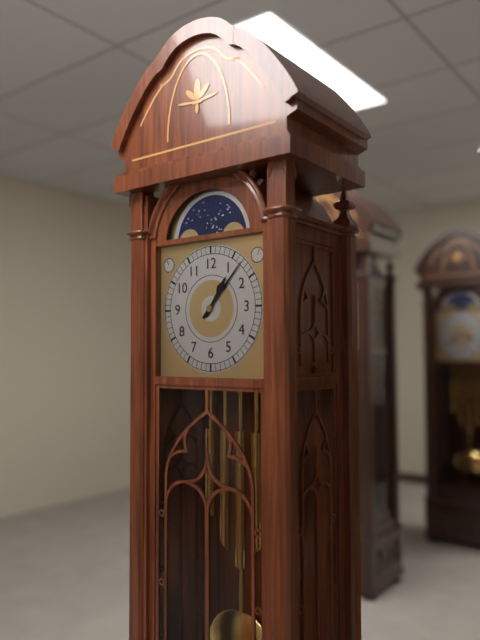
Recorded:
1,07
